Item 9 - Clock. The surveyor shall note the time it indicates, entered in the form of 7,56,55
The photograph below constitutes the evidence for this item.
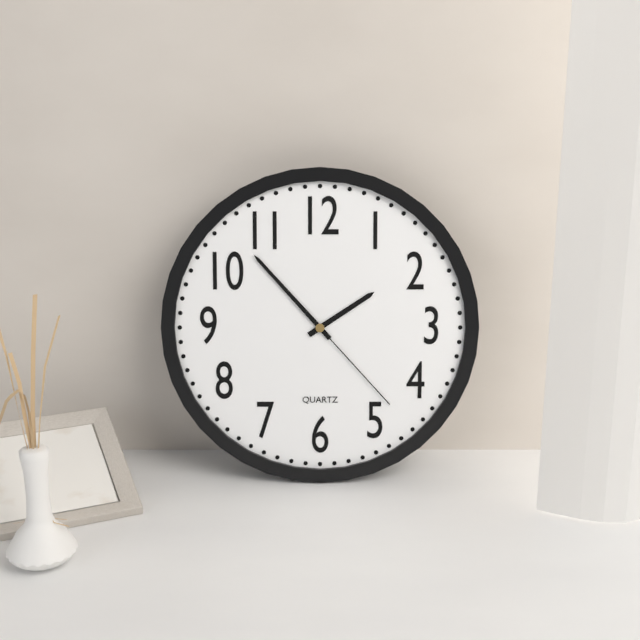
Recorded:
1,53,23
